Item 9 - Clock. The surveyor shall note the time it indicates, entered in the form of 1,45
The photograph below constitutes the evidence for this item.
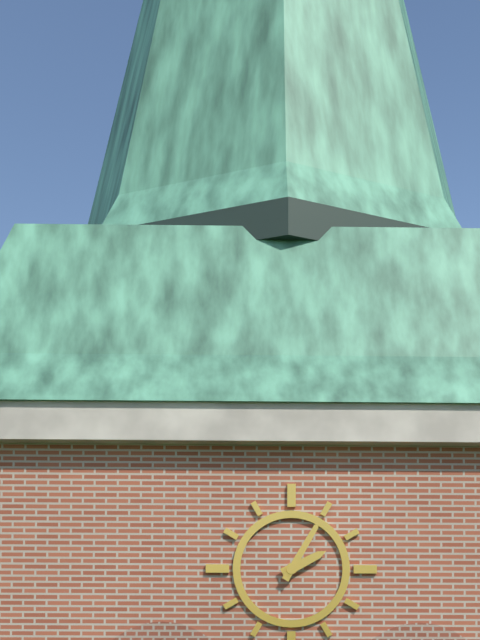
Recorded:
2,05
